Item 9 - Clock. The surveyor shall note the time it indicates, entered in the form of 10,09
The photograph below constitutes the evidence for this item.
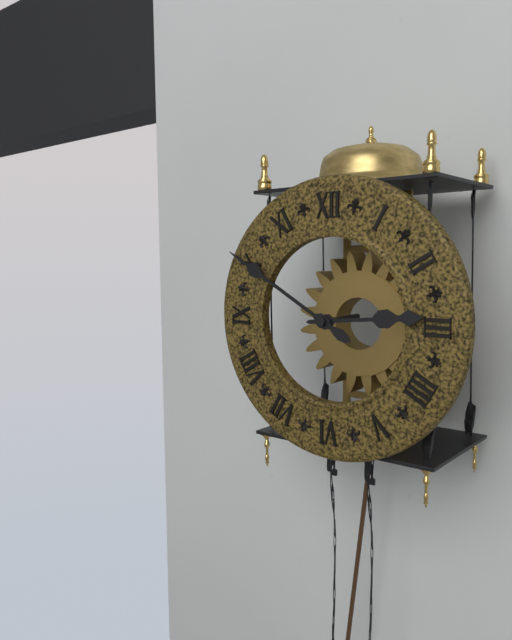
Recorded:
2,50
